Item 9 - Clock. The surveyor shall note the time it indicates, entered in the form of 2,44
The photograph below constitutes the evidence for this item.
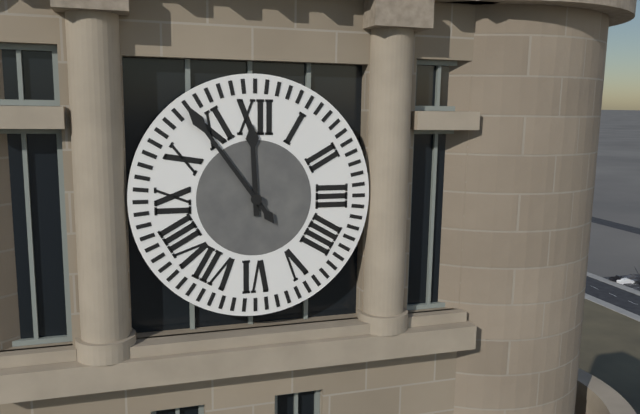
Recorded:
11,54
